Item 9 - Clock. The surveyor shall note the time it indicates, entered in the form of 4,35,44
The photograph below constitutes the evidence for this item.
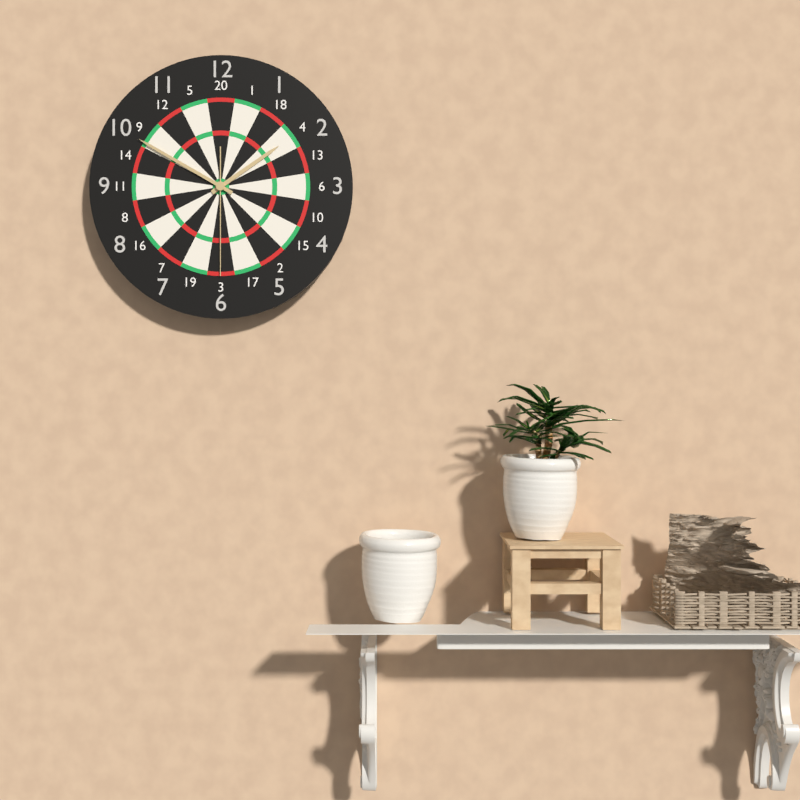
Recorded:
1,50,30
